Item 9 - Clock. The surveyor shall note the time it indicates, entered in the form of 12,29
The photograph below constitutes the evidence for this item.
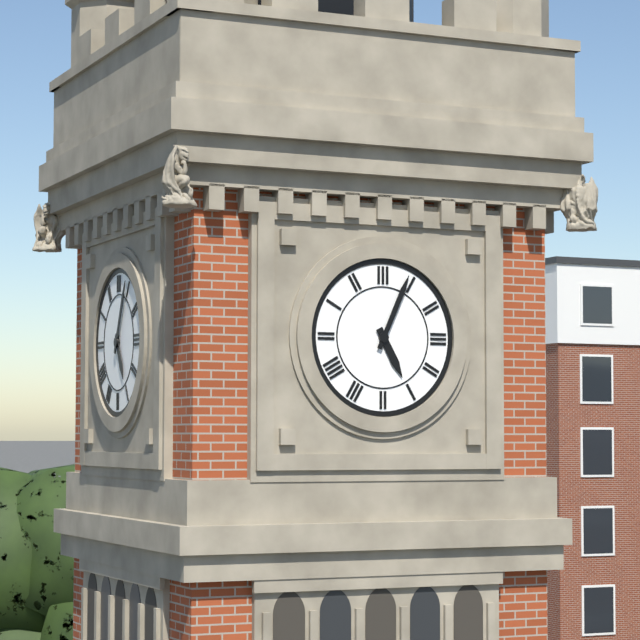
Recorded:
5,04
